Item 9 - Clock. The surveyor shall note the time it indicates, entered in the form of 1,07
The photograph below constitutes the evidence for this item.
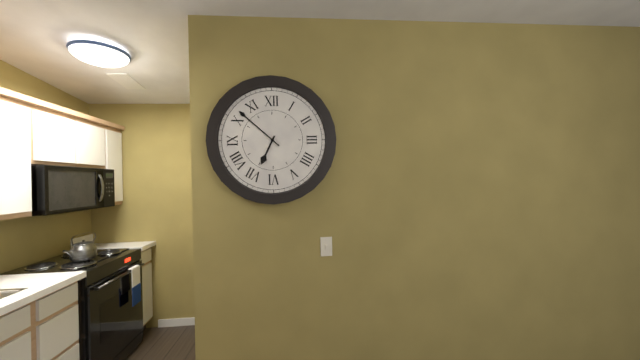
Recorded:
6,52
